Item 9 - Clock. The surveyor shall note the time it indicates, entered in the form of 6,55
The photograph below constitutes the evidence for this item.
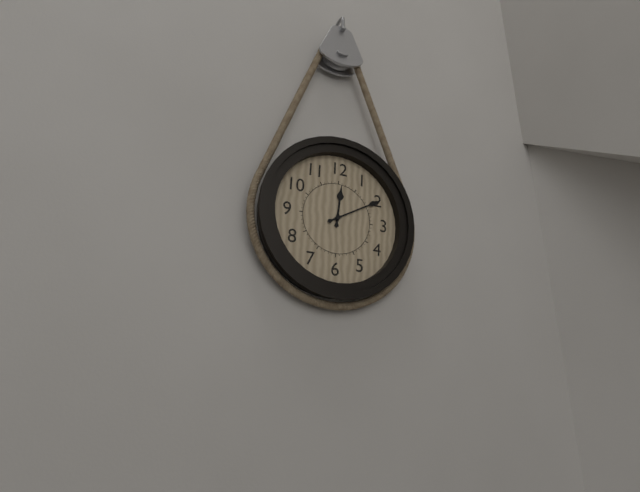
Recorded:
12,10
